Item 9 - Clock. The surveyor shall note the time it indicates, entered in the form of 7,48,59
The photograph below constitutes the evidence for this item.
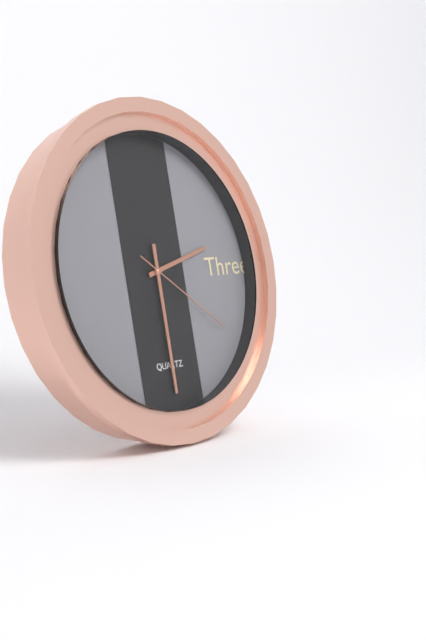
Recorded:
2,30,21
